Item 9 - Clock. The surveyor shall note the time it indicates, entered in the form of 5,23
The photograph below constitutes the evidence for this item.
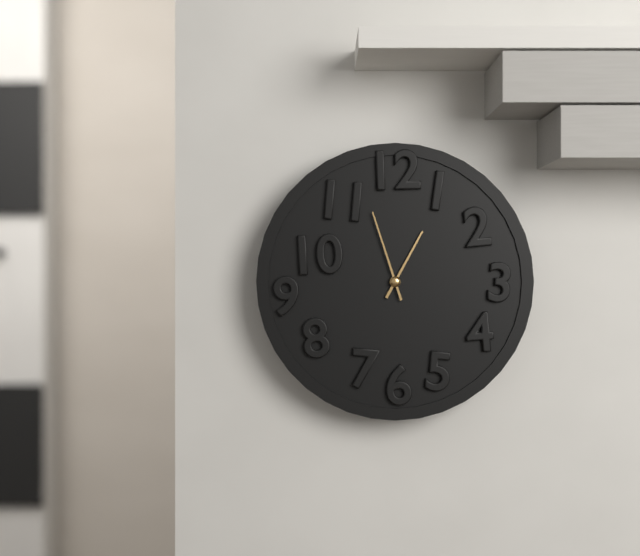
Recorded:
12,57
